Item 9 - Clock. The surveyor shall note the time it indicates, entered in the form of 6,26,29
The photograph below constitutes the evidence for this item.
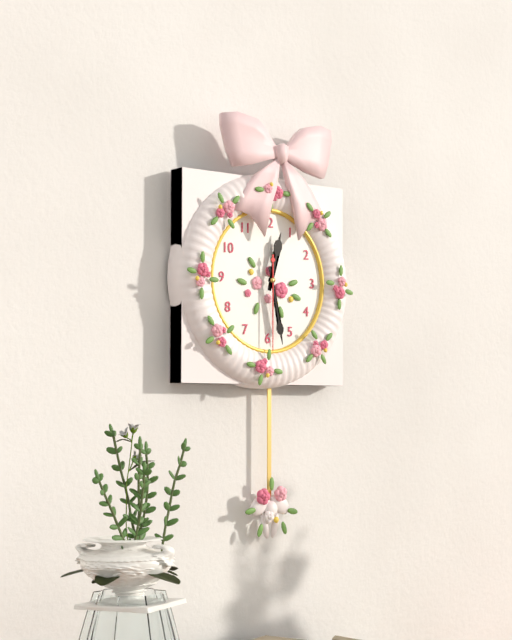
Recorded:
12,28,30
